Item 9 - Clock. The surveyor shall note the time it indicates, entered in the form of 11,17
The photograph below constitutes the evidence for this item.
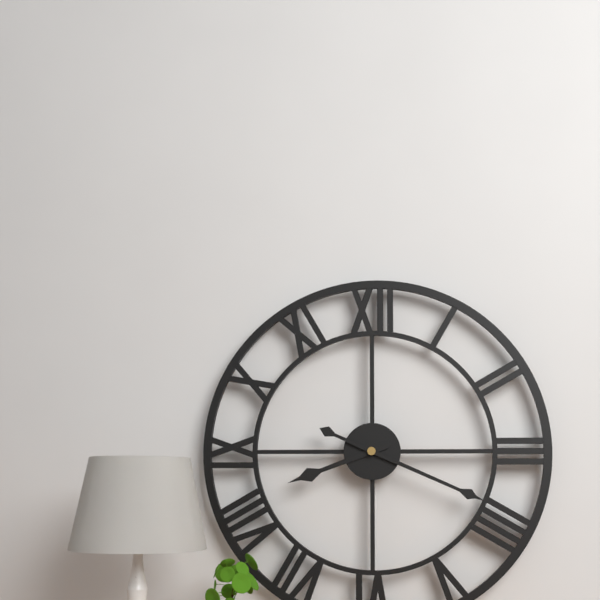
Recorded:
8,19
